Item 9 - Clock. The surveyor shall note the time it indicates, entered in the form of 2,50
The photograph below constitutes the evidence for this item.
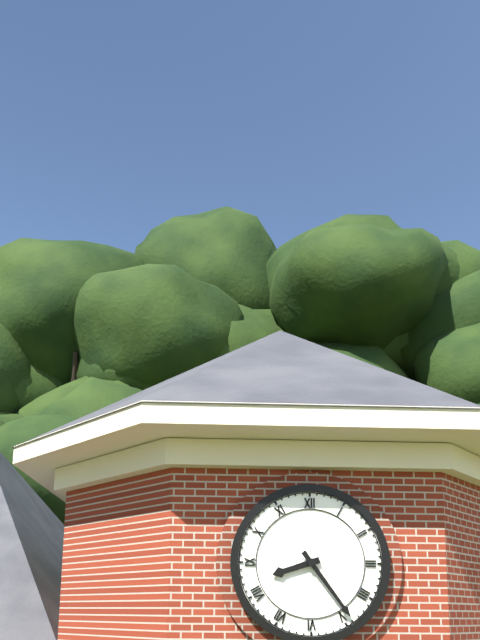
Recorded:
8,24
